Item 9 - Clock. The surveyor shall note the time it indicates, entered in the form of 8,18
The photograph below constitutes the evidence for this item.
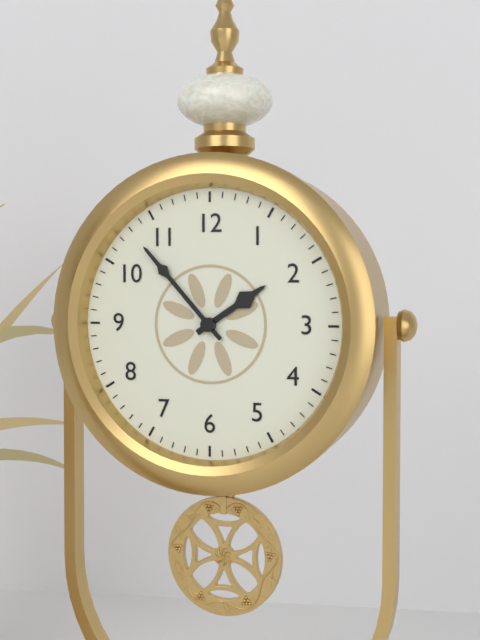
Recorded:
1,53
